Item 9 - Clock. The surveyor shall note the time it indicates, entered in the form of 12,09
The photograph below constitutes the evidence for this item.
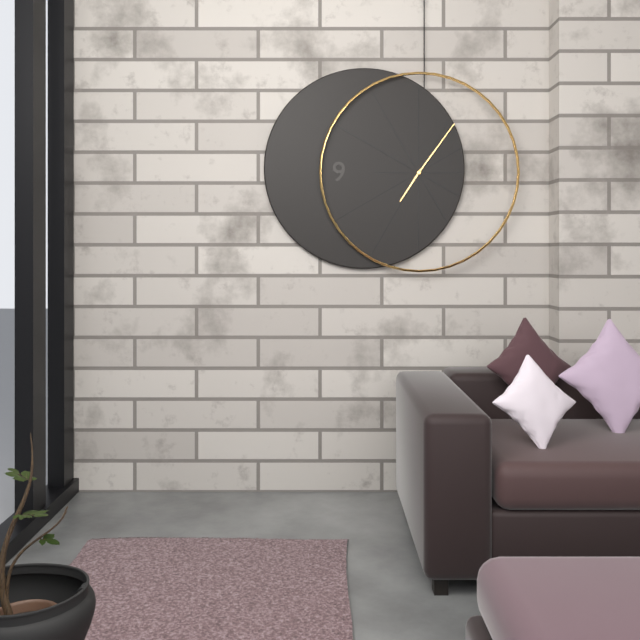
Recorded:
7,06
